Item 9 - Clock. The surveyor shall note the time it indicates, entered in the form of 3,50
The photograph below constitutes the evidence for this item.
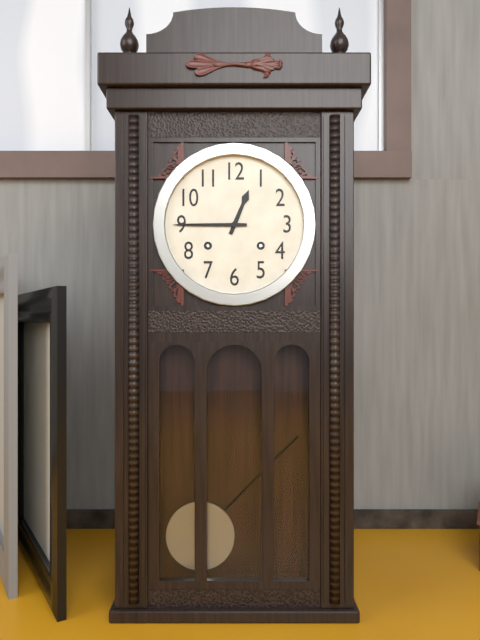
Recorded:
12,45
